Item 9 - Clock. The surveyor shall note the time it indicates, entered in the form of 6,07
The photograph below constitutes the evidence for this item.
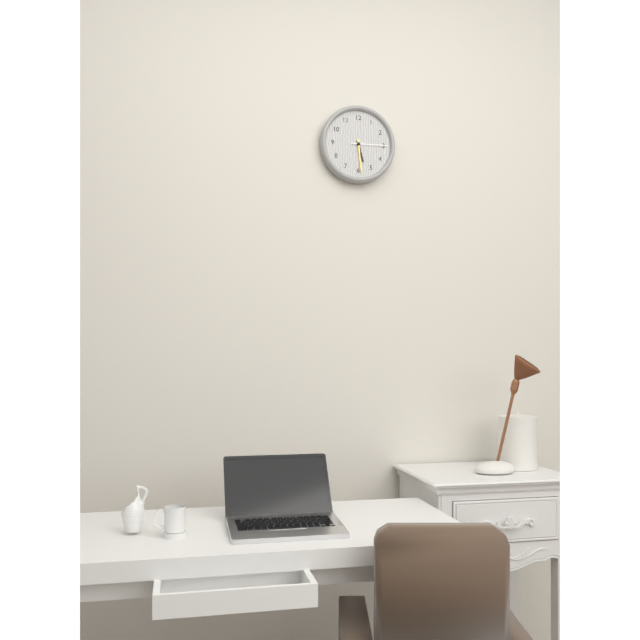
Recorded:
5,29
